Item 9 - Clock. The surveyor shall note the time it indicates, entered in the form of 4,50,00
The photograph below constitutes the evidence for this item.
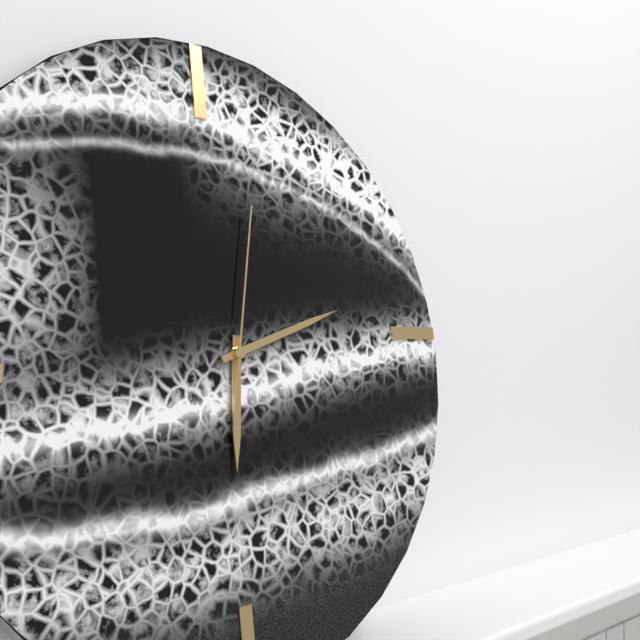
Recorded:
6,12,02
